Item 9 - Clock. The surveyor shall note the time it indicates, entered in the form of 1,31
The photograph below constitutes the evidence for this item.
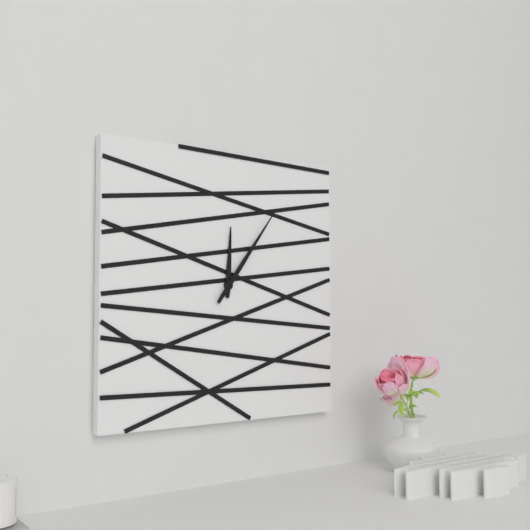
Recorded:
12,06
